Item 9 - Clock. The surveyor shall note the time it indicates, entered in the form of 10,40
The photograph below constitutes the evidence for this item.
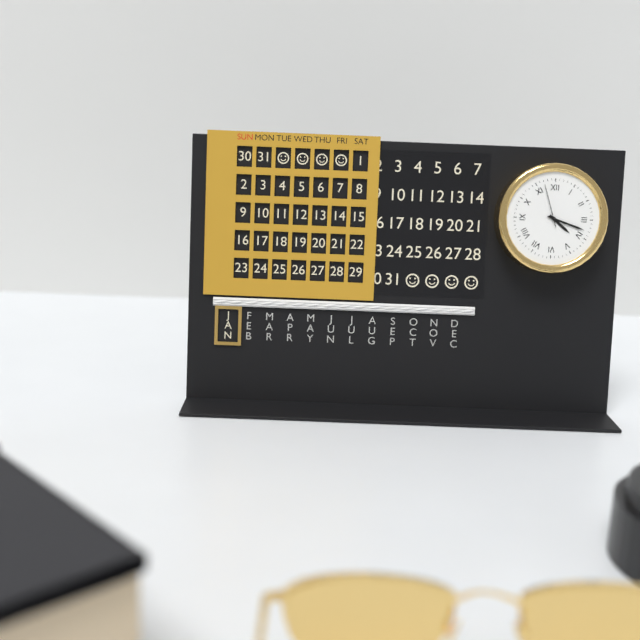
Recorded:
4,18
